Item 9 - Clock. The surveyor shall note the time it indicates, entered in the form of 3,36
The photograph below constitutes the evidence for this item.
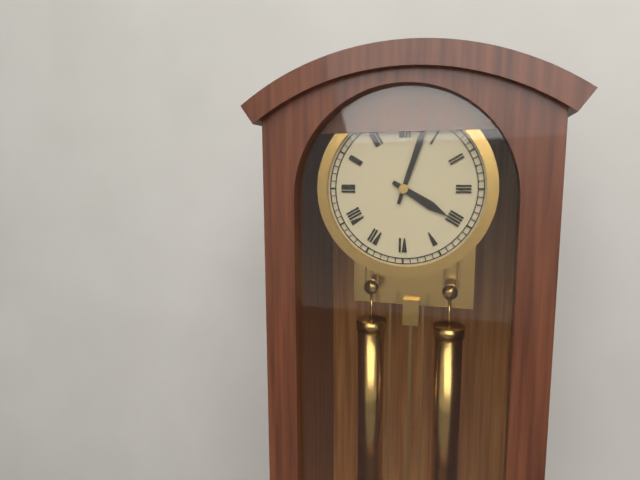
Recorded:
4,03
